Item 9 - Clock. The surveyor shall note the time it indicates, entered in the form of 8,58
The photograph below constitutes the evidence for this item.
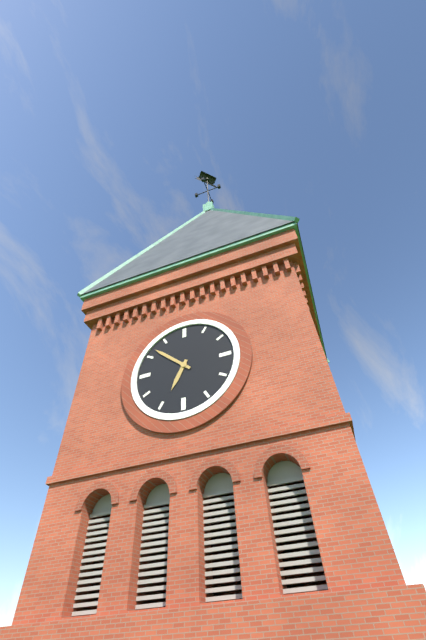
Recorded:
6,52
